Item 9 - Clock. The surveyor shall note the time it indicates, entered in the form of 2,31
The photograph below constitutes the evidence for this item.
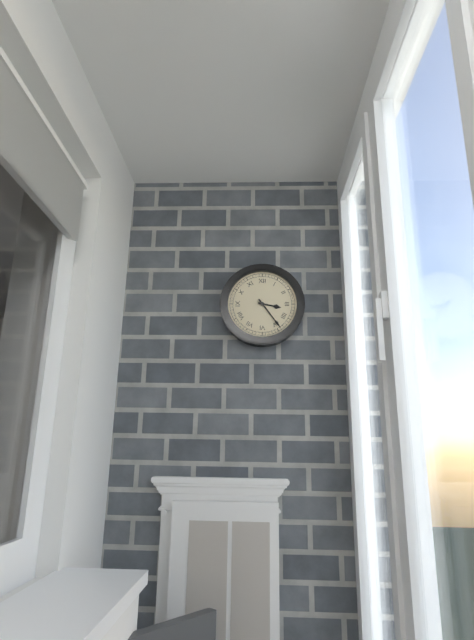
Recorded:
3,24
